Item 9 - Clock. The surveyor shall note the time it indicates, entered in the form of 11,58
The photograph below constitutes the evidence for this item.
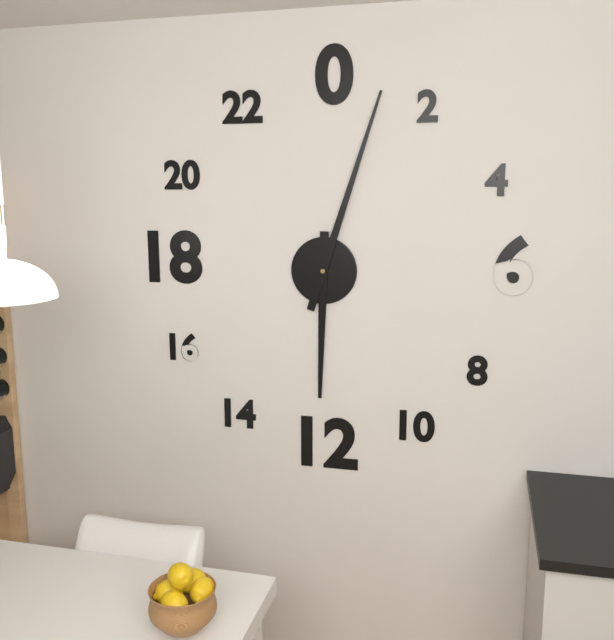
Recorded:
6,03
